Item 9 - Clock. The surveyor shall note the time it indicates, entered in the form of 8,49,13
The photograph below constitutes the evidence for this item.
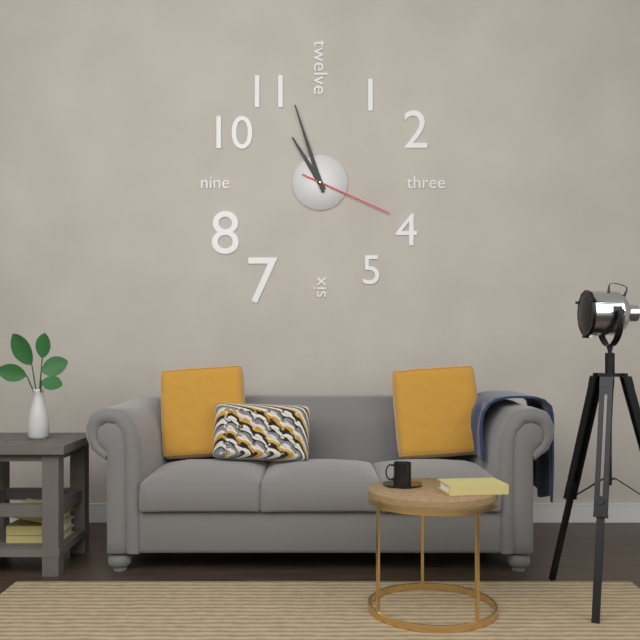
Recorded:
10,57,19
